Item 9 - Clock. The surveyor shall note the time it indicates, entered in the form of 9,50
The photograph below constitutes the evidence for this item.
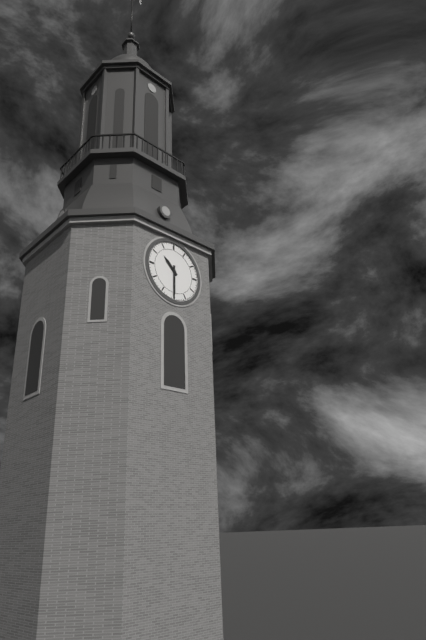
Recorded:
10,30
